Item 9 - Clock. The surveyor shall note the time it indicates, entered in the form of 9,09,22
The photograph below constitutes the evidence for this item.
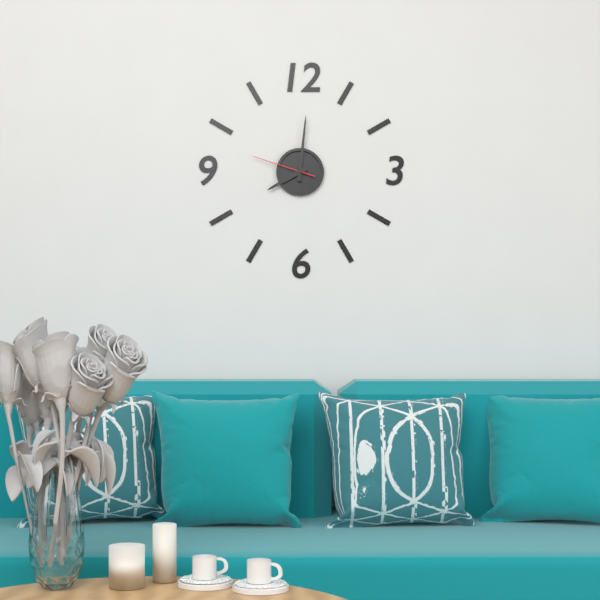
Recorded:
8,01,48
